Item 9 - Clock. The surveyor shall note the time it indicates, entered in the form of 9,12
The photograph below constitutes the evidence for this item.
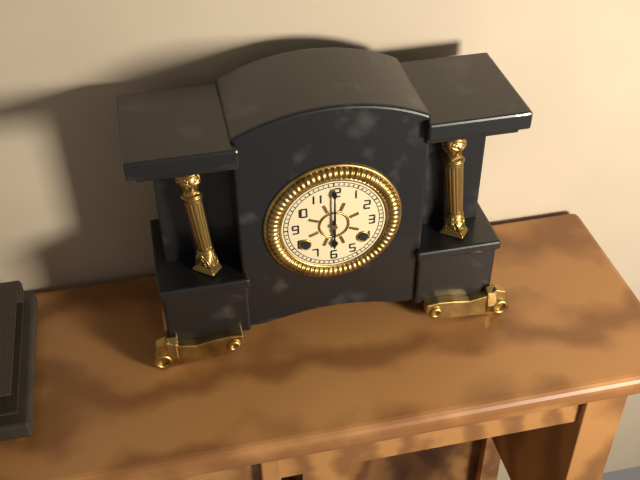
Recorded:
6,00
